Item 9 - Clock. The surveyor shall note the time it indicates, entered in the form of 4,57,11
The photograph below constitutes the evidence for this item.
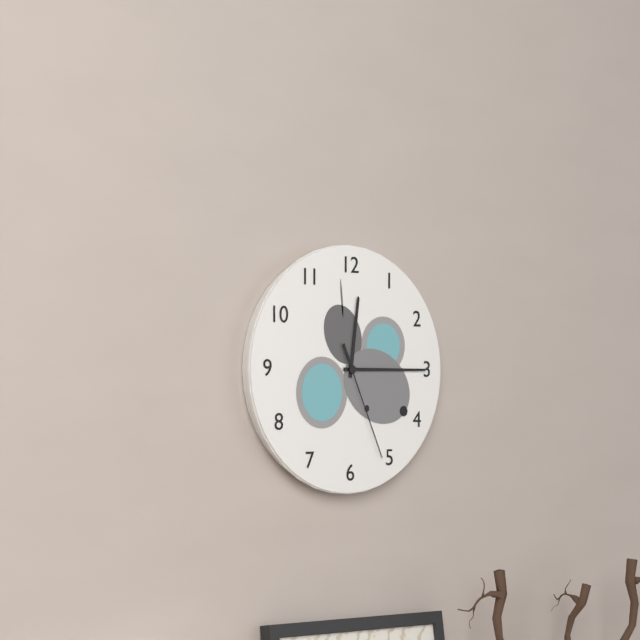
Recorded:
12,15,26
